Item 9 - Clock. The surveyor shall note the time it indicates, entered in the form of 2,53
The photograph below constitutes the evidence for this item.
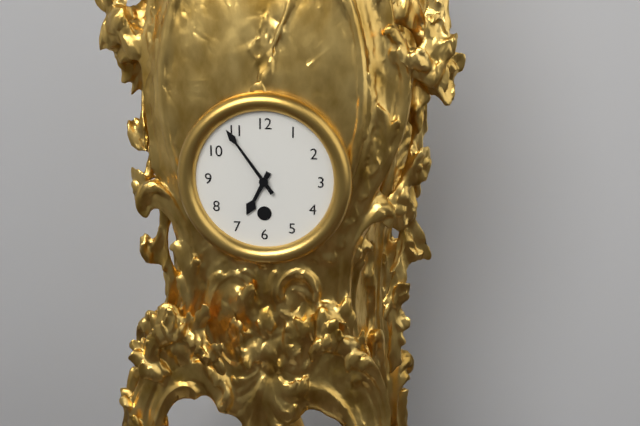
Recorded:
6,54
